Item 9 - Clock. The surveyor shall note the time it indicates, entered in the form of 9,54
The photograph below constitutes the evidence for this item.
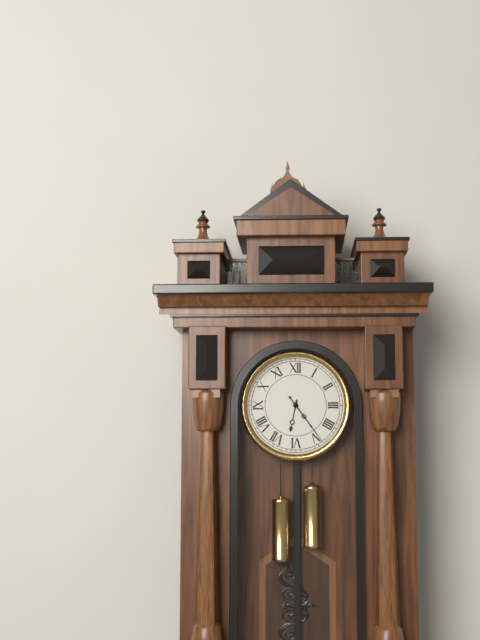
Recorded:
6,24
